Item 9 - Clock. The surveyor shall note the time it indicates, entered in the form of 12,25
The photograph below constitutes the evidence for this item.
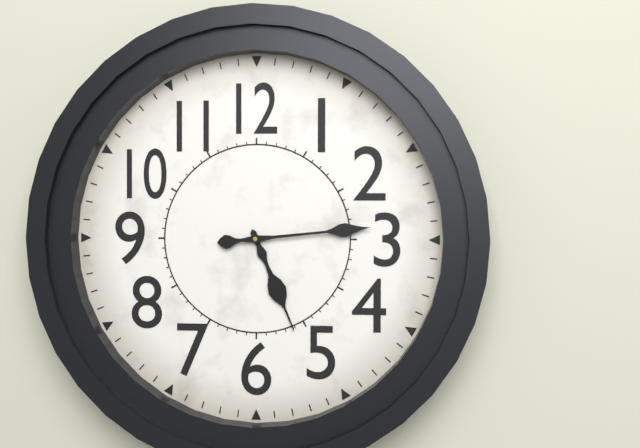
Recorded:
5,14
